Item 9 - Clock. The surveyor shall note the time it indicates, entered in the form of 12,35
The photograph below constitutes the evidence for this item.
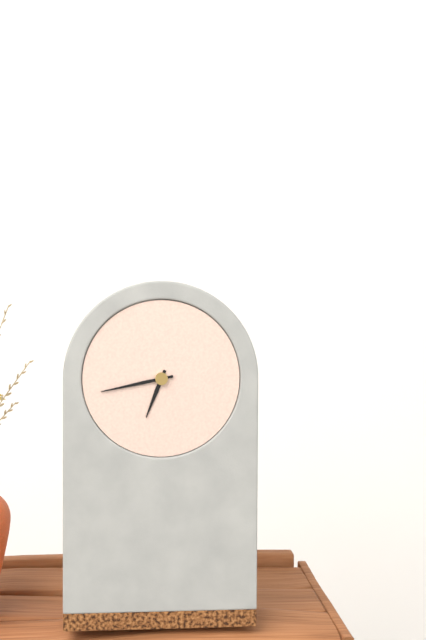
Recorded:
6,43
